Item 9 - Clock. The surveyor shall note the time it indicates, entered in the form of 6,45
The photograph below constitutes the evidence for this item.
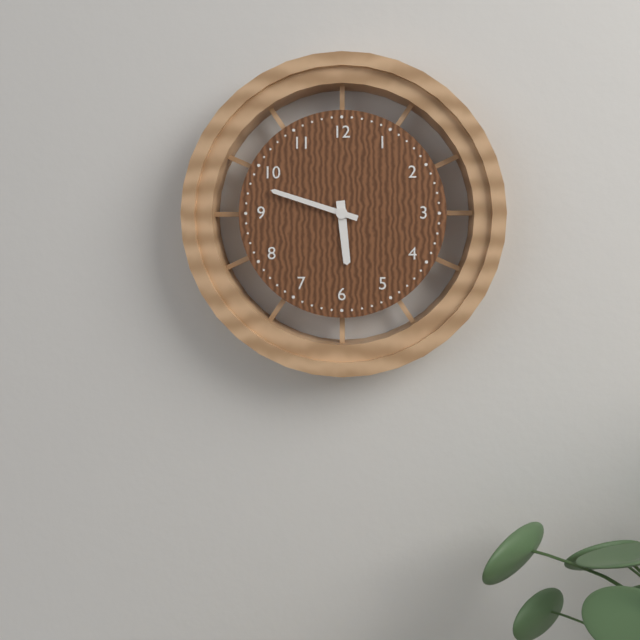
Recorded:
5,48
